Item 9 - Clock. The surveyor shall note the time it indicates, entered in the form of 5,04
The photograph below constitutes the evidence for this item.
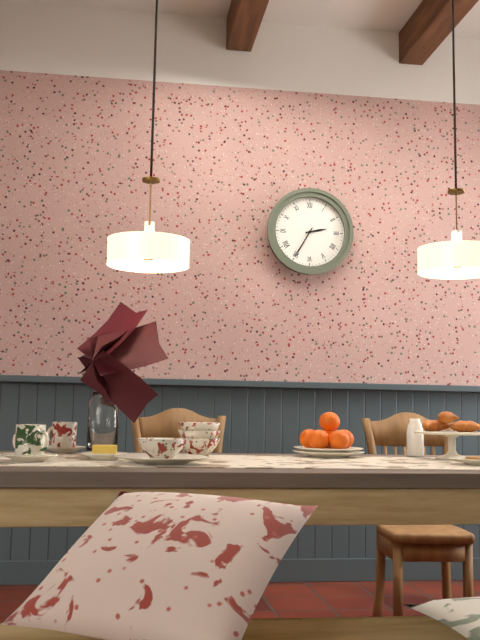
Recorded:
2,35
